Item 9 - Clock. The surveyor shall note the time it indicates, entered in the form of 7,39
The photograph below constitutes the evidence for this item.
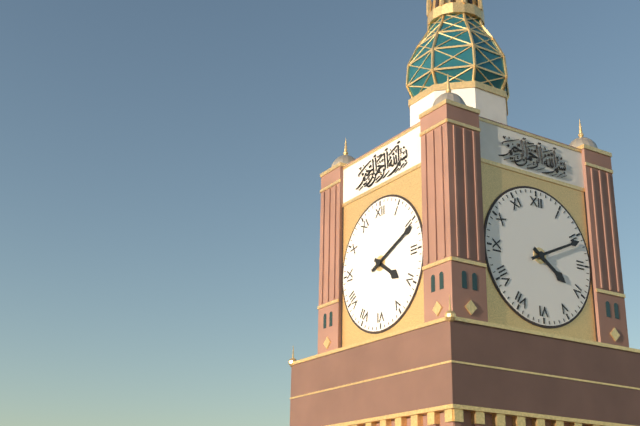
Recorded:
4,11
